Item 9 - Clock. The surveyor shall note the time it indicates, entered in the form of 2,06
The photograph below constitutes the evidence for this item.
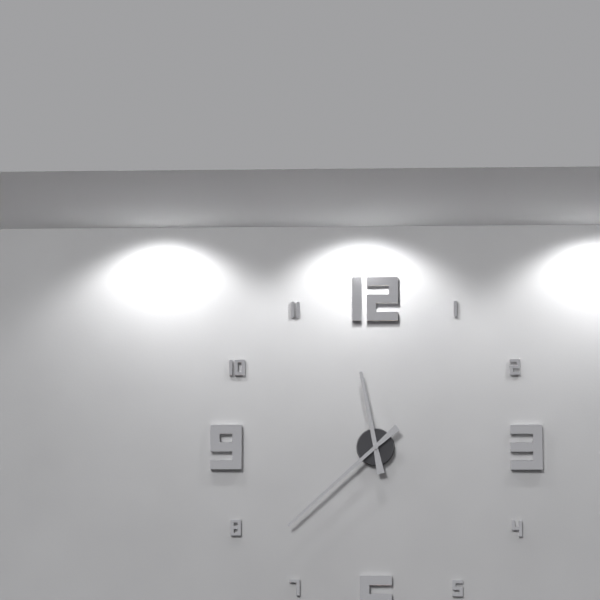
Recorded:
11,38
